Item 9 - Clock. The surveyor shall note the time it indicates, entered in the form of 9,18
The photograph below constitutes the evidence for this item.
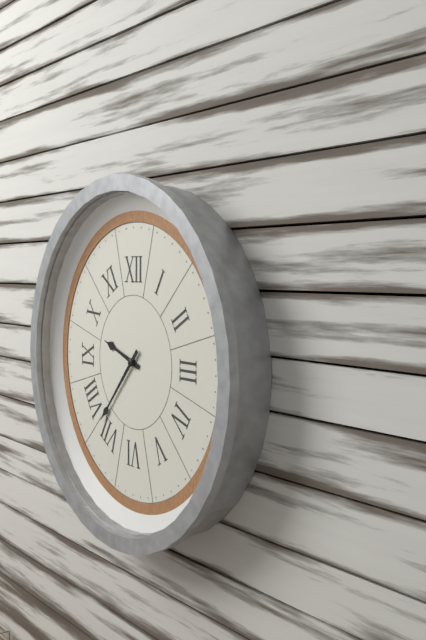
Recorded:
9,37
